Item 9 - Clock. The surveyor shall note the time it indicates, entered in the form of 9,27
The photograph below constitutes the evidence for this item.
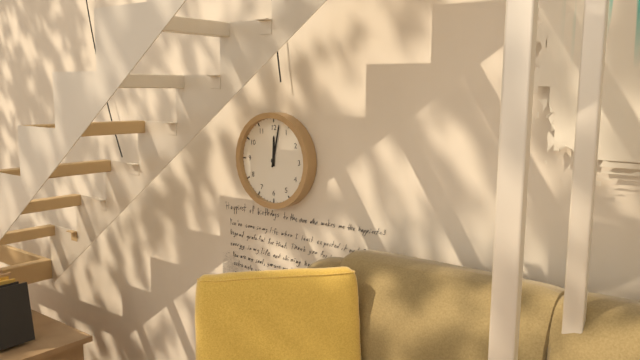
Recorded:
12,02
